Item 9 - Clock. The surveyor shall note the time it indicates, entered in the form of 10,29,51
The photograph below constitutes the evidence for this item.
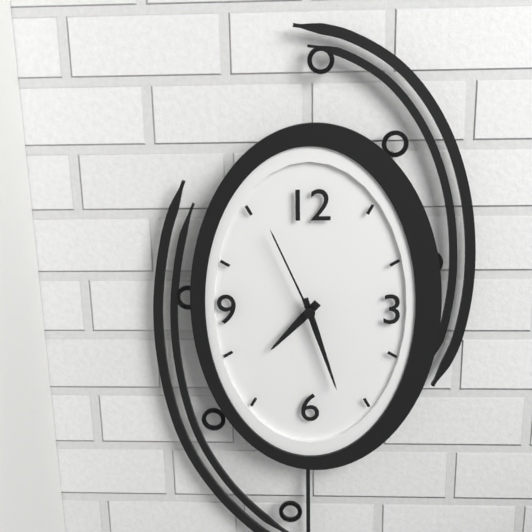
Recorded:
7,27,56
